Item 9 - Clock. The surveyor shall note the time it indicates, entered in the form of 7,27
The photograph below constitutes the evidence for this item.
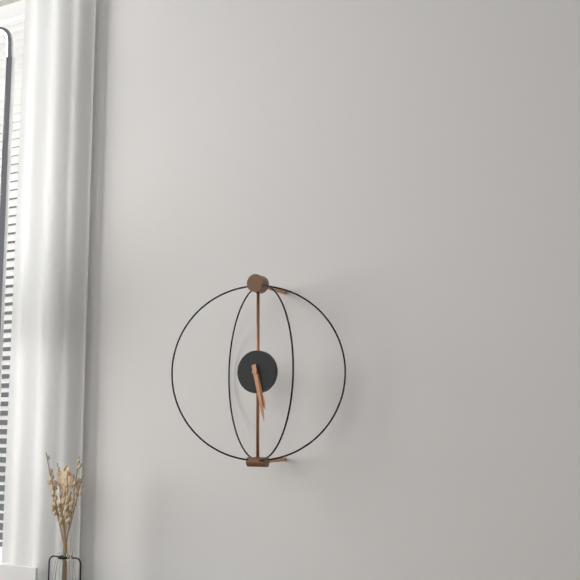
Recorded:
5,28
